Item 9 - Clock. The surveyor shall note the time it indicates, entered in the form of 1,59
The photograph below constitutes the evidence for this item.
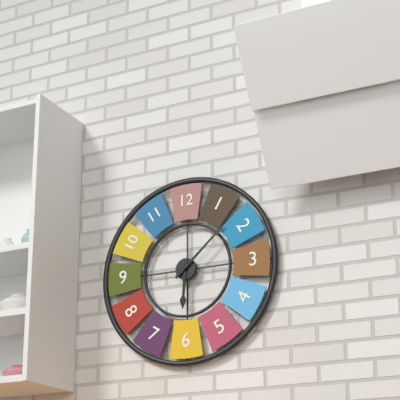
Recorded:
6,08
